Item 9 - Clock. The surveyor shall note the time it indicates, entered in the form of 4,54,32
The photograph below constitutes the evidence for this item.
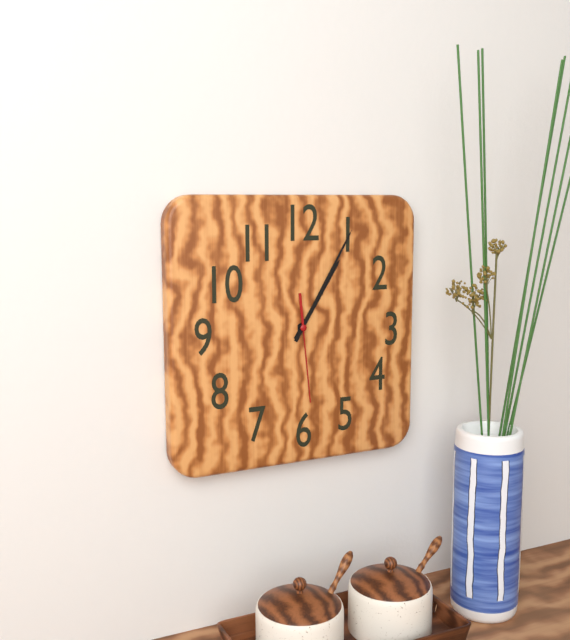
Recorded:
1,05,29
